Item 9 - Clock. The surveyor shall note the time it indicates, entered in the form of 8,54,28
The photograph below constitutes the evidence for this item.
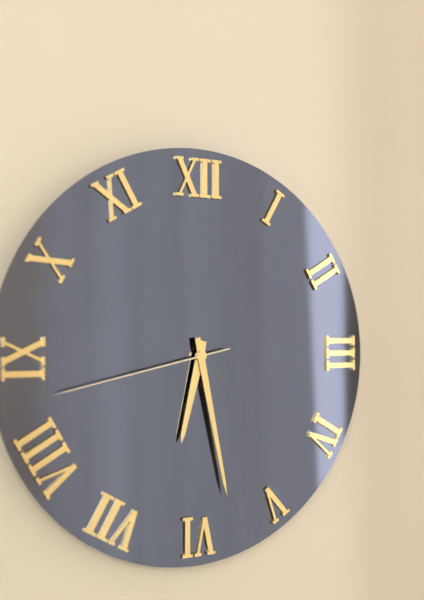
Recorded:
6,28,43
